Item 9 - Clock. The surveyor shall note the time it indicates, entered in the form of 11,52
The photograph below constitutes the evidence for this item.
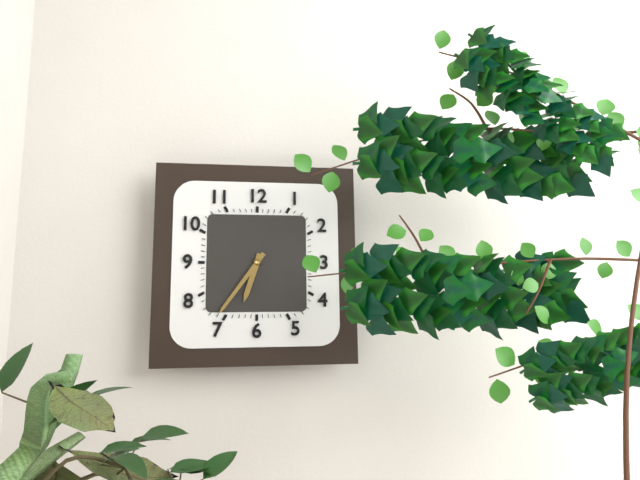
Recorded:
6,36
